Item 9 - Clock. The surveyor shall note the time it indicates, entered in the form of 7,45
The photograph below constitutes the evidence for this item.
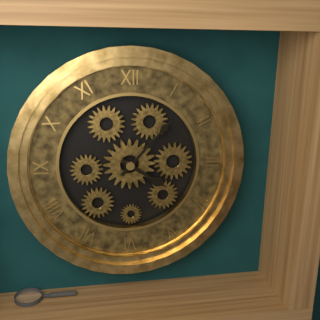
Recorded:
4,07
